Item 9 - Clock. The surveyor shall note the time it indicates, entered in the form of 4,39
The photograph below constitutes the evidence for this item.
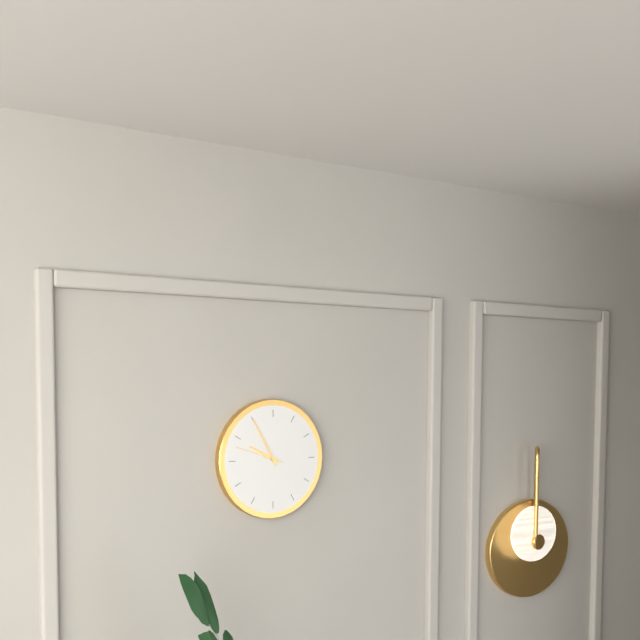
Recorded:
9,55
